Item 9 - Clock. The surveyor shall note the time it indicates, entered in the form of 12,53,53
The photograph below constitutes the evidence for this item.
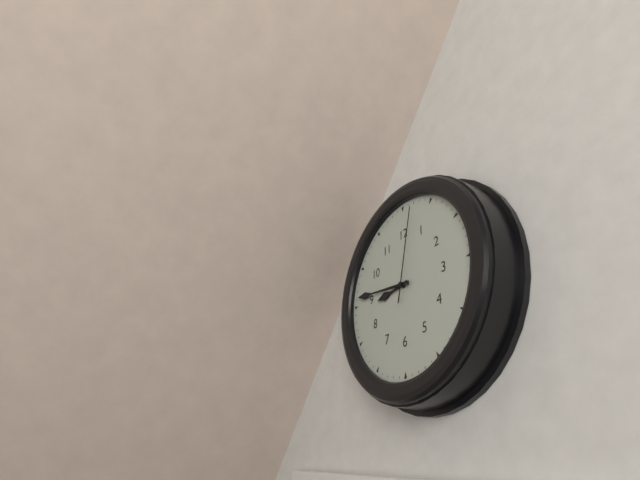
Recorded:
8,46,02
